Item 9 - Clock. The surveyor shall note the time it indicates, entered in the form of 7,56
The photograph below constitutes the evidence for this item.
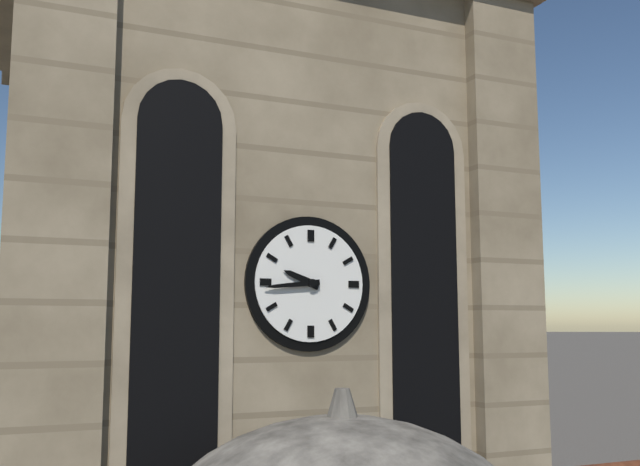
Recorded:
9,44
